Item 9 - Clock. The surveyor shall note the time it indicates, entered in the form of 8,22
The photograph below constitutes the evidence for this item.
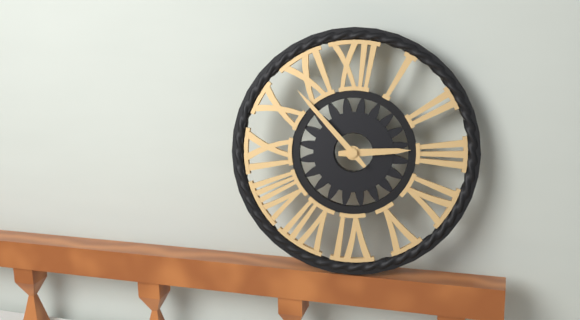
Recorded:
2,53
